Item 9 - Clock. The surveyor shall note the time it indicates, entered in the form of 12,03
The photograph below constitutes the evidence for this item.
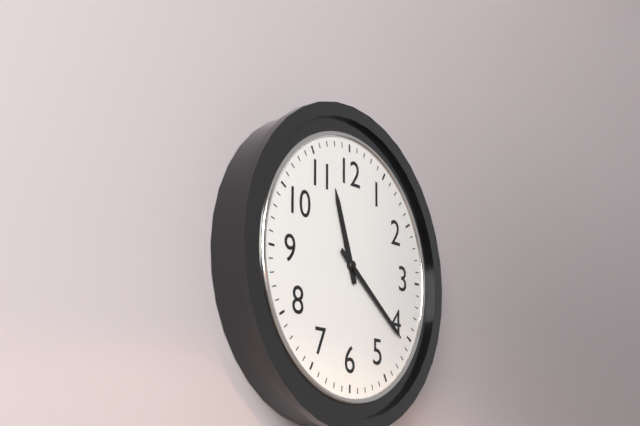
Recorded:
11,21
